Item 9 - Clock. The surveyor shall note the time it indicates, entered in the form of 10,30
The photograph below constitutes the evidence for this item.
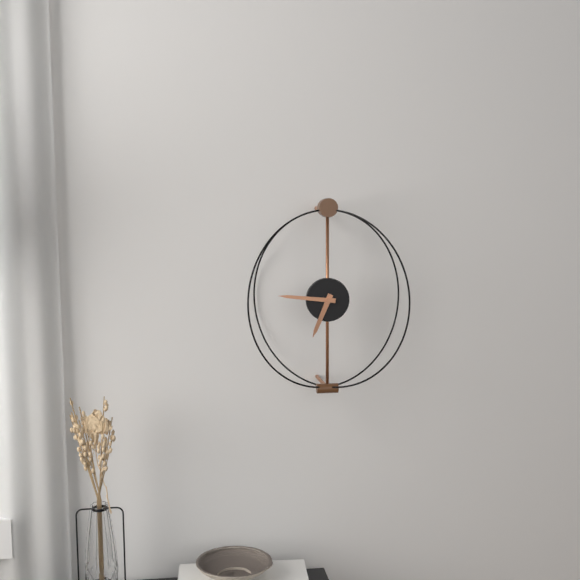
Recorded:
6,46
